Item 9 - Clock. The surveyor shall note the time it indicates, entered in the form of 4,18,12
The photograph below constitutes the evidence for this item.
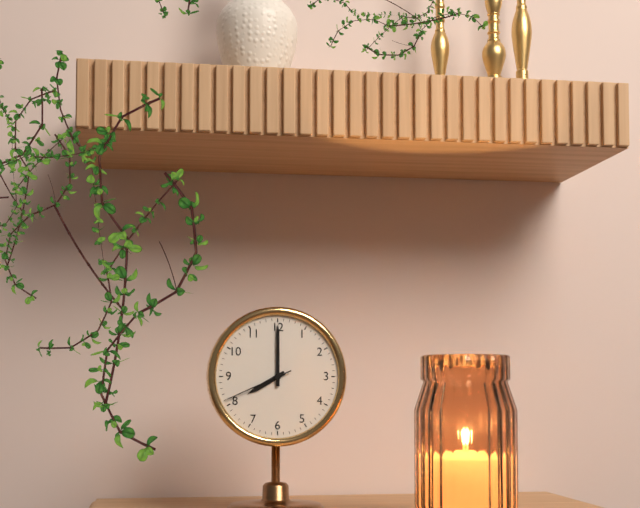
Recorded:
8,00,41
